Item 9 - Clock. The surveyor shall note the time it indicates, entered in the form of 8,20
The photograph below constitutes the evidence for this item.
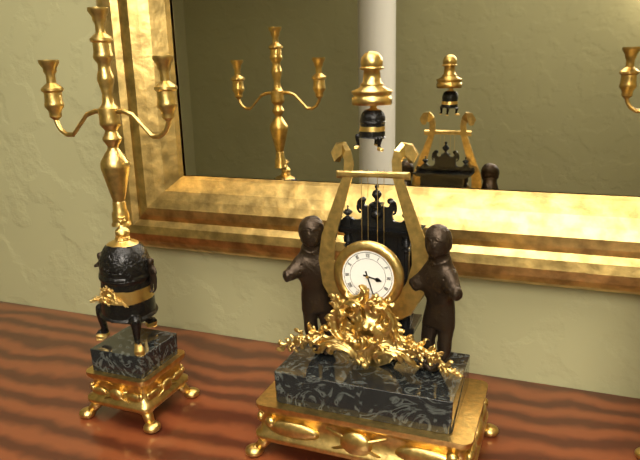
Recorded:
3,27
